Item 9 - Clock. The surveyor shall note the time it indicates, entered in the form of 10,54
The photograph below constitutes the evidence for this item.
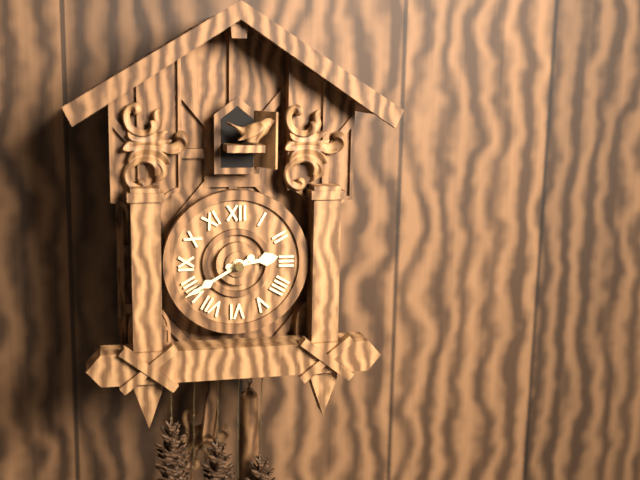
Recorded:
2,40
